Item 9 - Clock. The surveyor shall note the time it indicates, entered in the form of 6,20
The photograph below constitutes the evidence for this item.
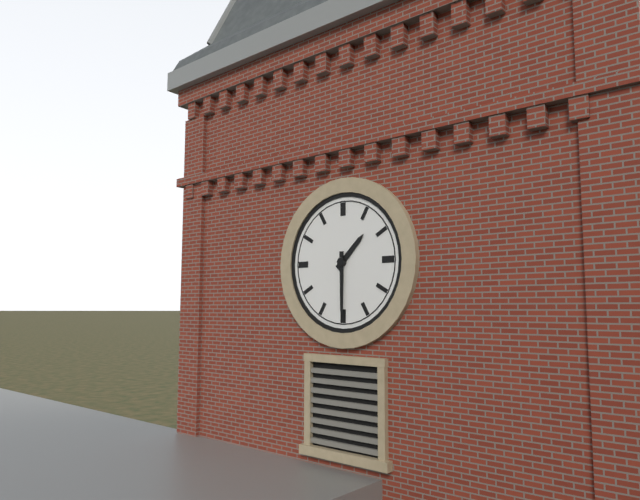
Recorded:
1,30
